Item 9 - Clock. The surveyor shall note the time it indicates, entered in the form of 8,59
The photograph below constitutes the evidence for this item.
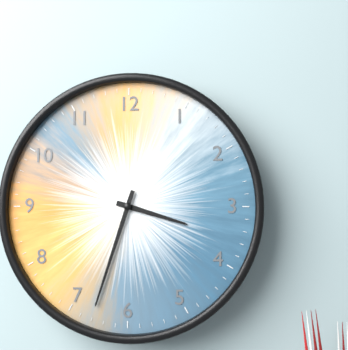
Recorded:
3,33
